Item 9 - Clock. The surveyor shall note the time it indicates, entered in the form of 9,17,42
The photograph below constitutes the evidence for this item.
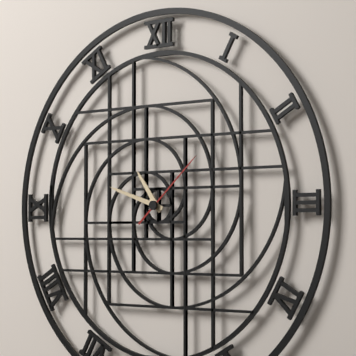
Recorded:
10,48,08
